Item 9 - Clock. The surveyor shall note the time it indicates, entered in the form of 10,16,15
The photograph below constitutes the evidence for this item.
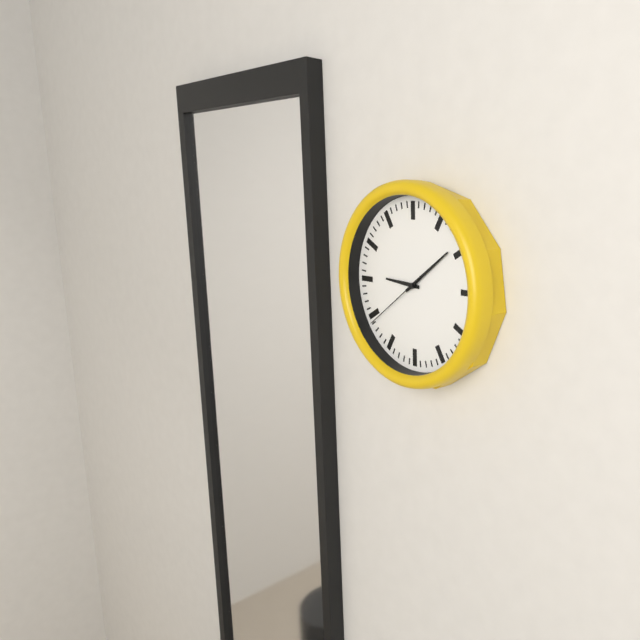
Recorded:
9,09,39
